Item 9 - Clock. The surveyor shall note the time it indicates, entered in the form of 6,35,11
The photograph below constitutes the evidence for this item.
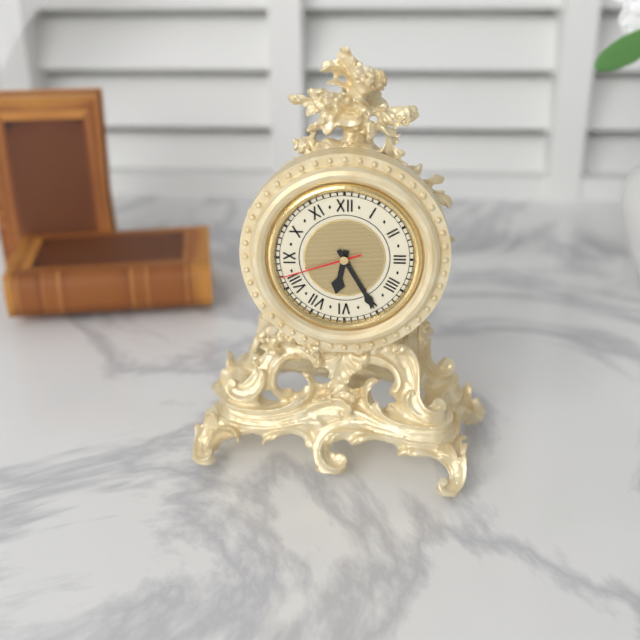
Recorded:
6,25,42
